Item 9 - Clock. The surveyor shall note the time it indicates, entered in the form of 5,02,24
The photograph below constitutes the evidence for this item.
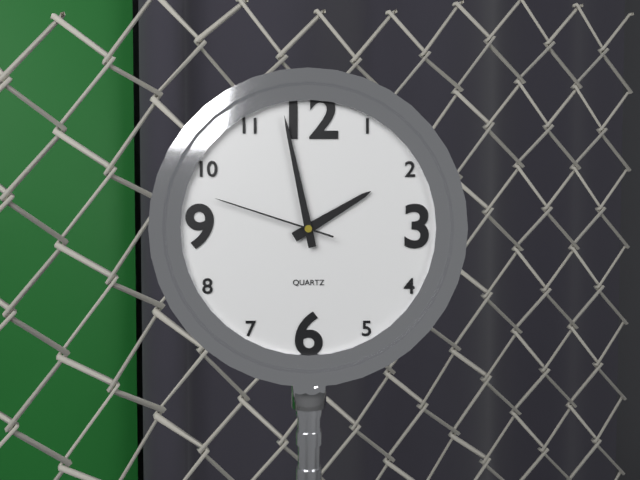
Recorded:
1,58,48
